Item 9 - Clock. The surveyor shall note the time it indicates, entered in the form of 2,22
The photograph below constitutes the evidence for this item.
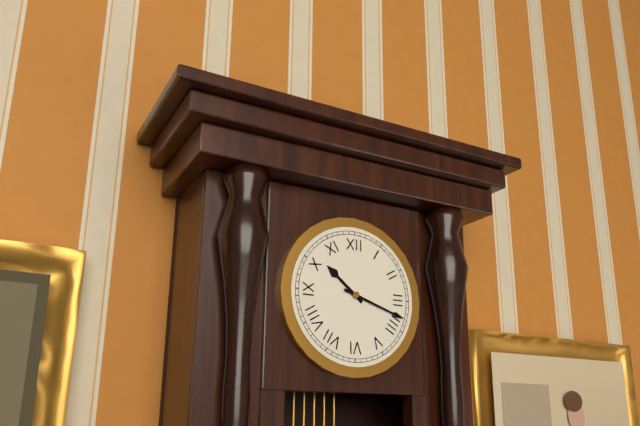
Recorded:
10,18
